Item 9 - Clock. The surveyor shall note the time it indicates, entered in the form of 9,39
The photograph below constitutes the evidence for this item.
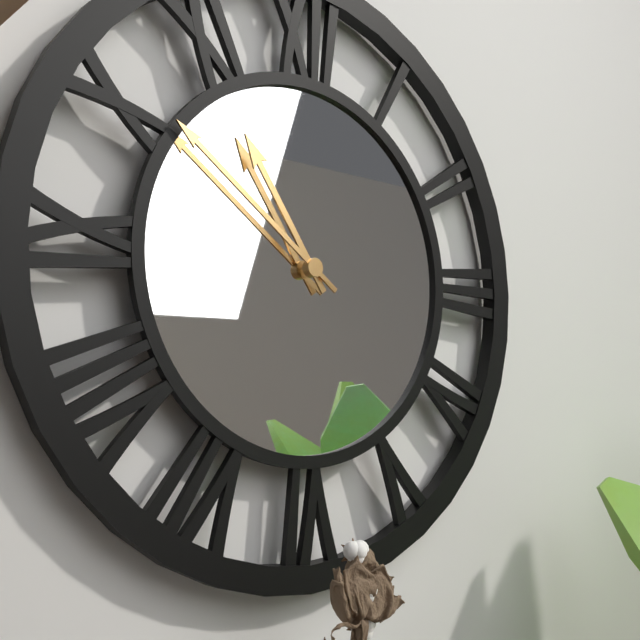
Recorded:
10,51
